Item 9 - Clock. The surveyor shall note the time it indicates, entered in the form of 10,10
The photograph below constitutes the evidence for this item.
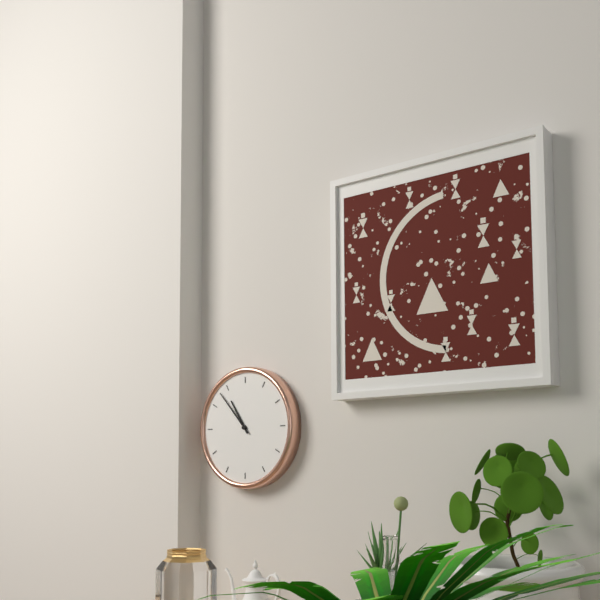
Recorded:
10,53
